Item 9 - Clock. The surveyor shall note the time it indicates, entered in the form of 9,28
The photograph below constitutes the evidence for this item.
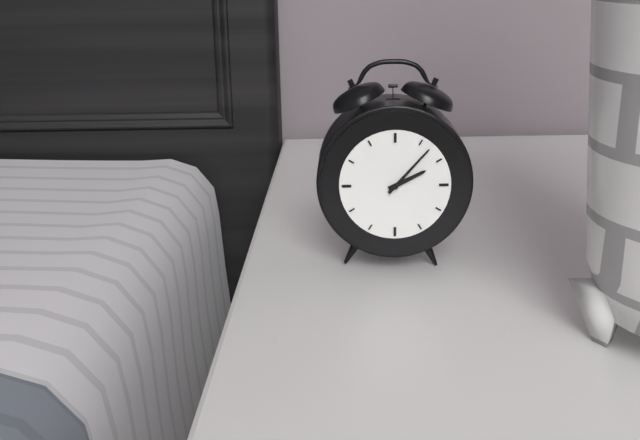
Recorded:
2,07
